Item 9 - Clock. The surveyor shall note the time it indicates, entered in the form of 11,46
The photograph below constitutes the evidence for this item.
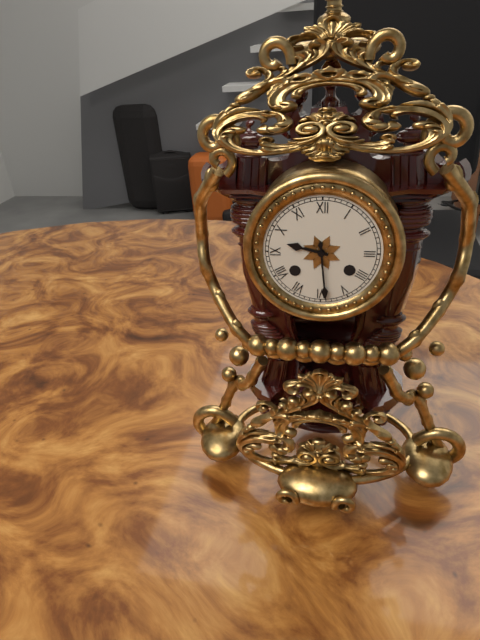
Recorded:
9,29
